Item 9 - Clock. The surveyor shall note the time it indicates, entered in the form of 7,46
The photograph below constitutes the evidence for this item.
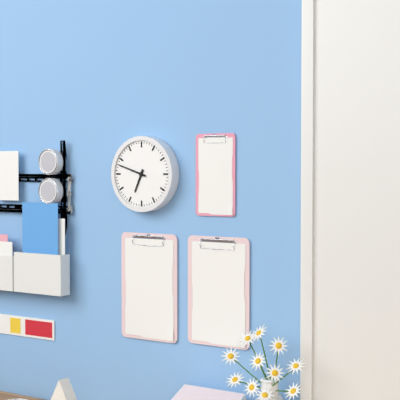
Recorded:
6,48
